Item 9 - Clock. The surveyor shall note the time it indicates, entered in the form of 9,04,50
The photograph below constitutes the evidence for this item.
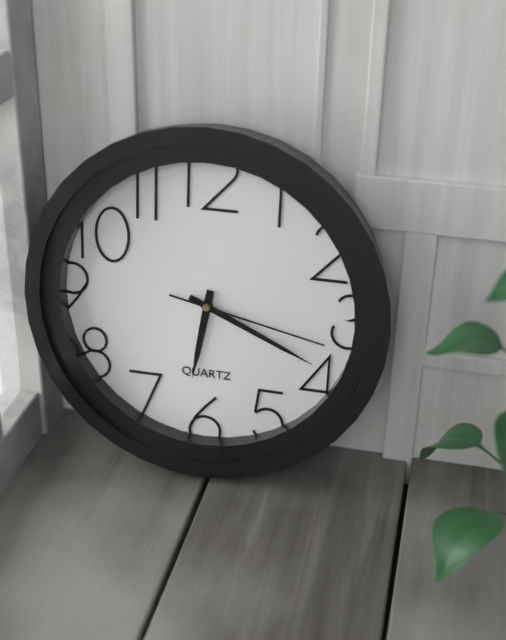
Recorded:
6,19,17
